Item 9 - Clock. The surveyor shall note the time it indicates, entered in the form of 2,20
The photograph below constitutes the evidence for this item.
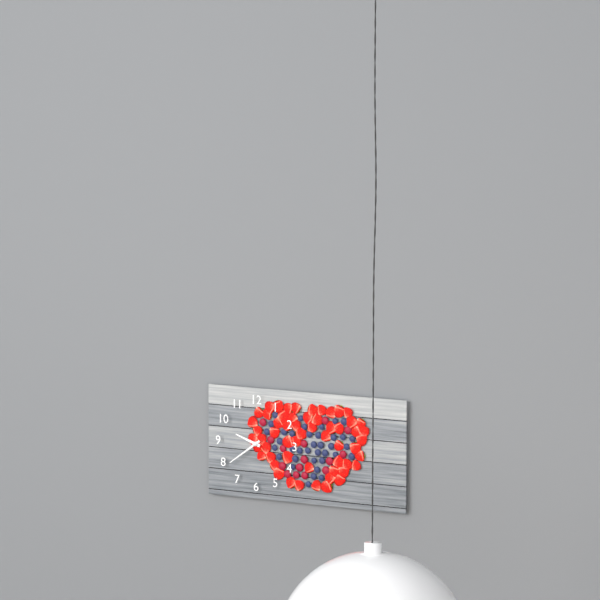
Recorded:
9,39
